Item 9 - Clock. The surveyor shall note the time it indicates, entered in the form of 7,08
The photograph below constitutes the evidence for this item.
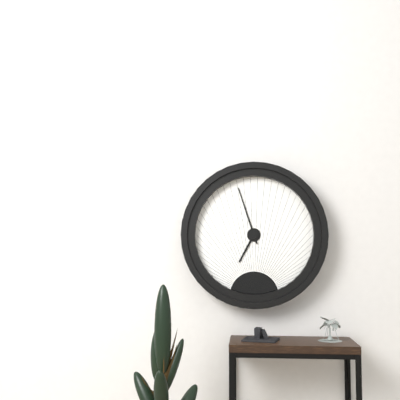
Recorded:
6,57
